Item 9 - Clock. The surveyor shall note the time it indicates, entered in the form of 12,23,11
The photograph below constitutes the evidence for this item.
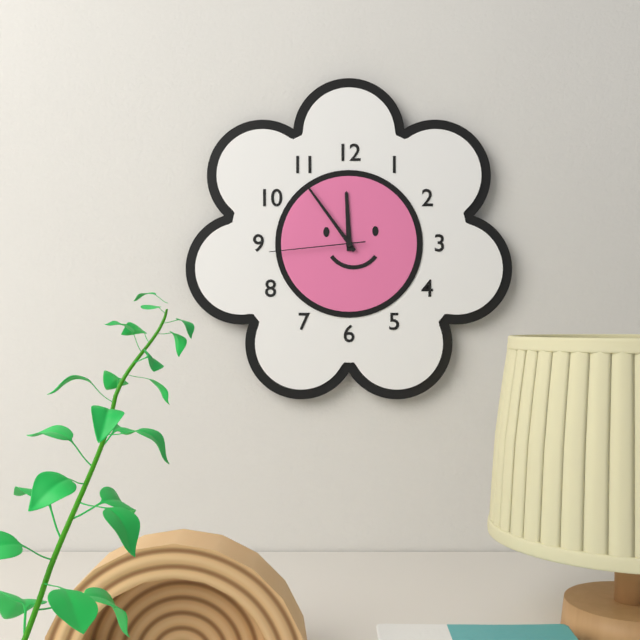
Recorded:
11,54,44
